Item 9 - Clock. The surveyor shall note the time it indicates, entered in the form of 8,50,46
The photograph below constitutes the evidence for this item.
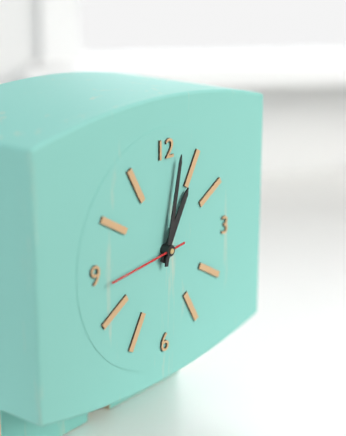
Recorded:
1,02,44
